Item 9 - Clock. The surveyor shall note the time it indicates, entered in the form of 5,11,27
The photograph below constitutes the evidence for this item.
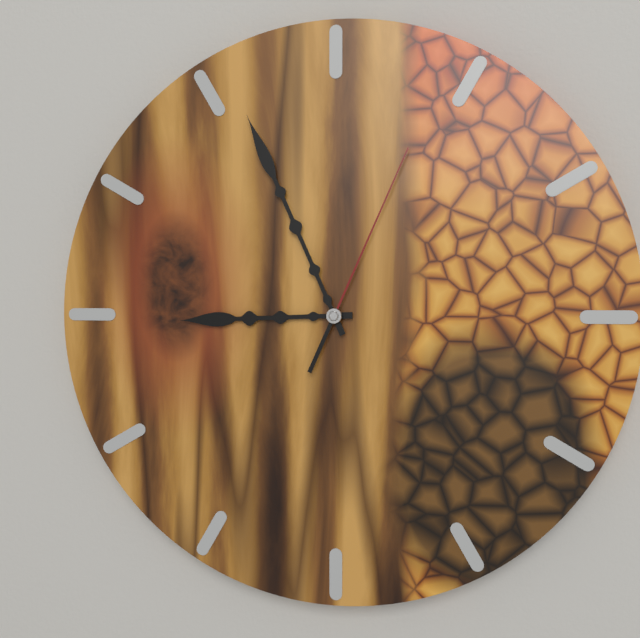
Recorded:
8,56,04
